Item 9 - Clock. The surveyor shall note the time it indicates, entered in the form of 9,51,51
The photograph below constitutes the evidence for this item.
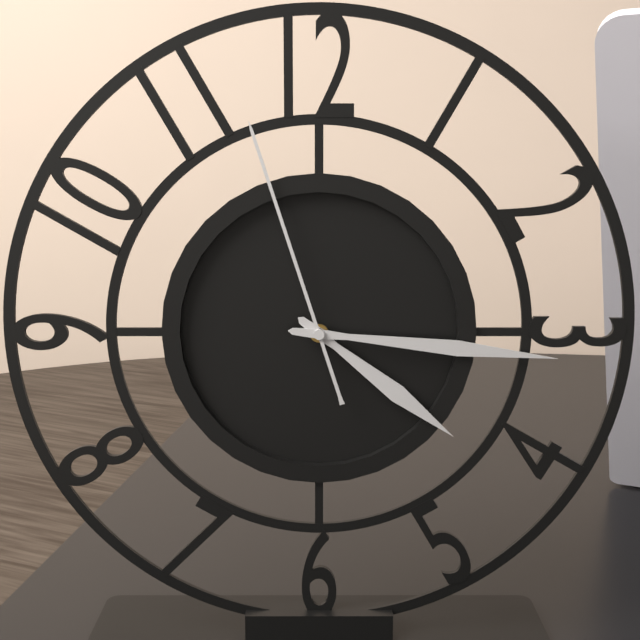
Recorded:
4,16,57
